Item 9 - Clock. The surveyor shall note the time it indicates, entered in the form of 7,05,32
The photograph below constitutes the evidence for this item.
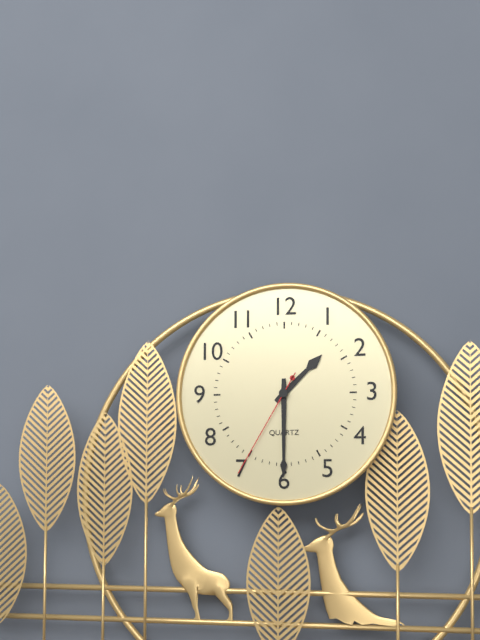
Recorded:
1,30,35
